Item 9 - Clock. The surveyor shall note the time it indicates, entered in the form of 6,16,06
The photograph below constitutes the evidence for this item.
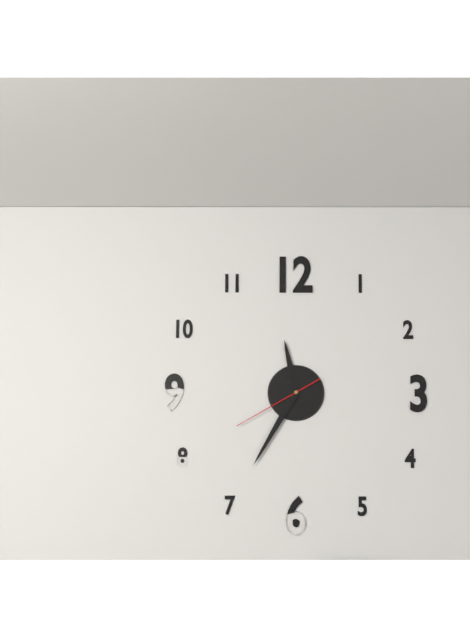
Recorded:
11,35,40
